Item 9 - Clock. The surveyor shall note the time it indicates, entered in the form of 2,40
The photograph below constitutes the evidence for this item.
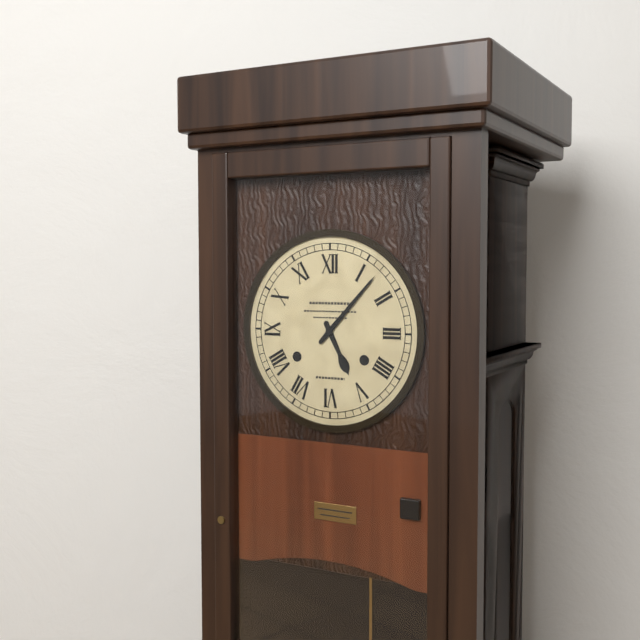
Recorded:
5,07
